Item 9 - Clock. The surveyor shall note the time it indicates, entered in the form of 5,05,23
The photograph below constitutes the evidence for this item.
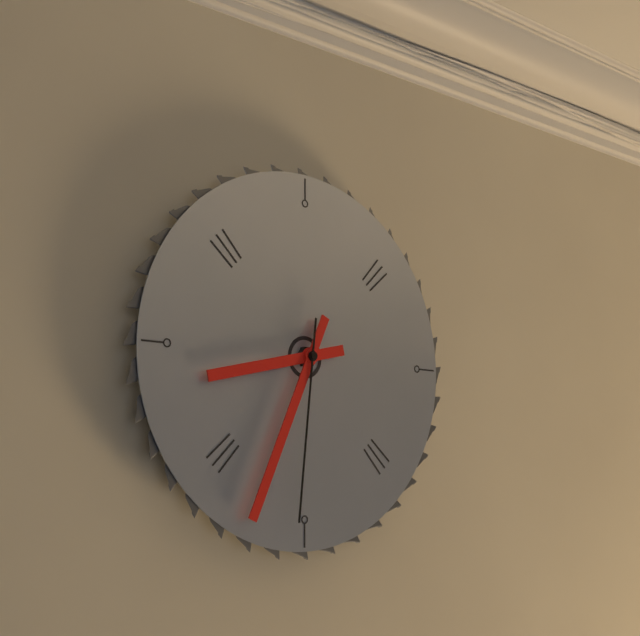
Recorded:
8,34,31
